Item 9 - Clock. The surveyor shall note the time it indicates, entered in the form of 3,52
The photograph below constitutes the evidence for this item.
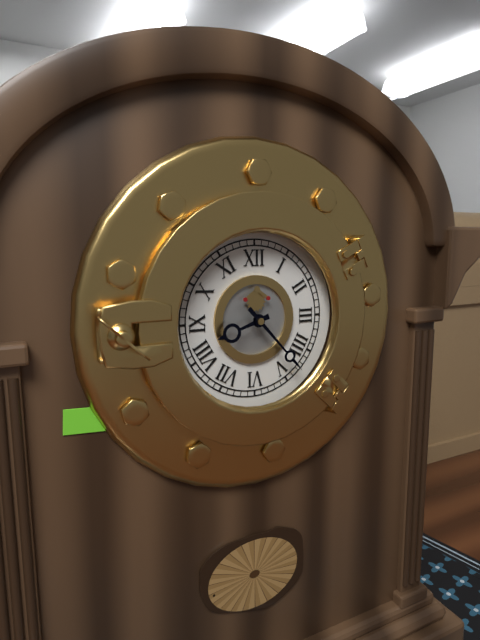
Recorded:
8,23
